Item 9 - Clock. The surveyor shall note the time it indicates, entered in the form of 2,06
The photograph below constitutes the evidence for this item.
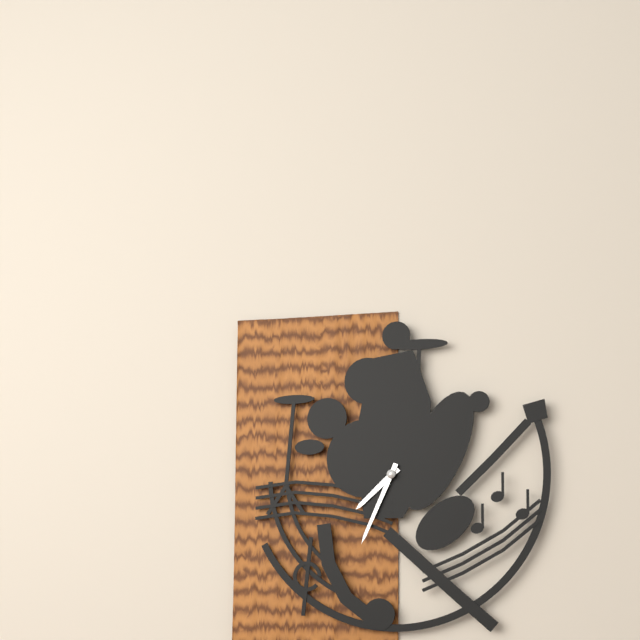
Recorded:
7,34
